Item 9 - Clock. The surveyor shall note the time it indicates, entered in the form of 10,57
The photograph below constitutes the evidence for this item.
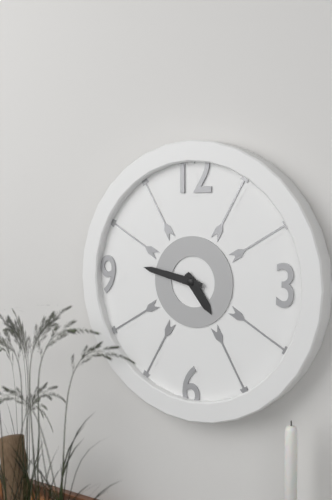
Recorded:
4,47
